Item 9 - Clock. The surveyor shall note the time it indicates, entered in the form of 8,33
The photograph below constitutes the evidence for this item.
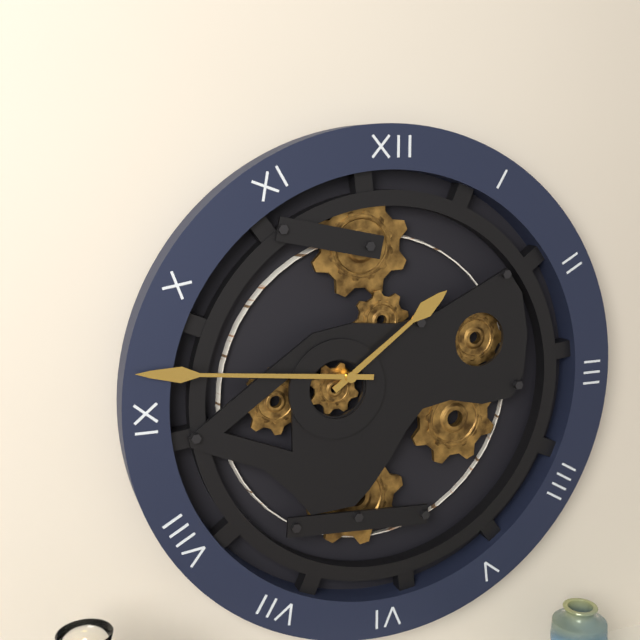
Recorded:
1,46
